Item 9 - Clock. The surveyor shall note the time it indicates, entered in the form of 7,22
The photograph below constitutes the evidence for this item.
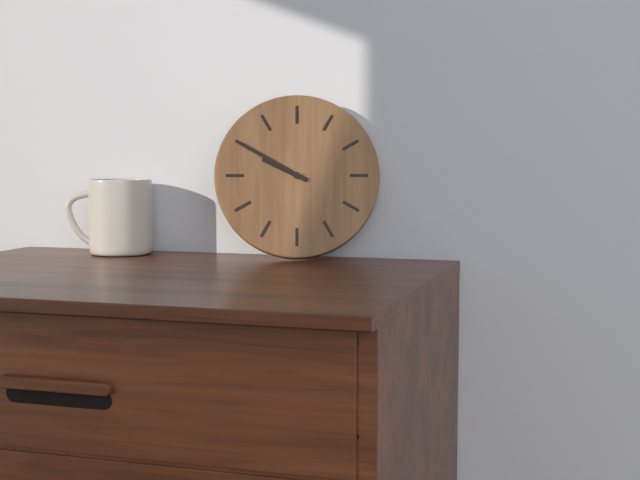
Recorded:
9,50
